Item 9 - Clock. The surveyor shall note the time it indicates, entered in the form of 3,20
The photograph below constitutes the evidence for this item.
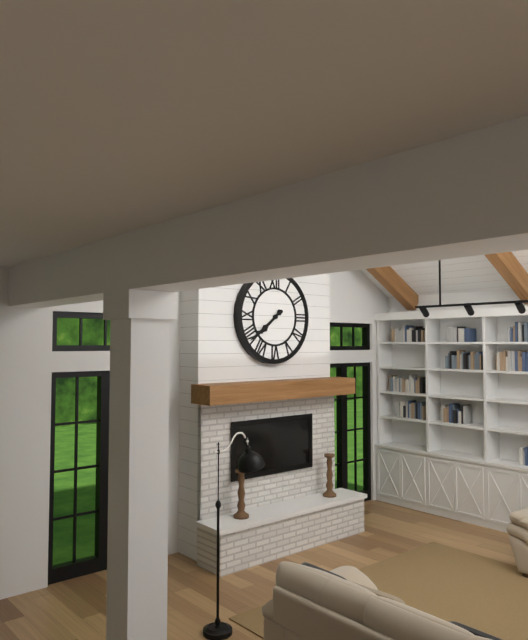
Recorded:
7,39
